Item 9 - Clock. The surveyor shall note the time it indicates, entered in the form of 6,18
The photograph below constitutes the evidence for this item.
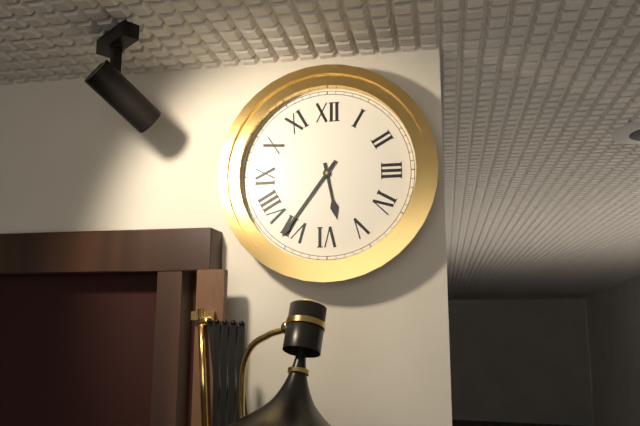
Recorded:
5,36
